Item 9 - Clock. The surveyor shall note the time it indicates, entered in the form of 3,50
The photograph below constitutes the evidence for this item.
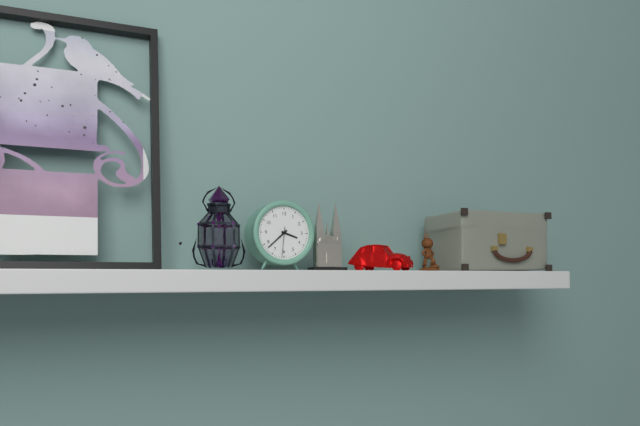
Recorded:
3,38
